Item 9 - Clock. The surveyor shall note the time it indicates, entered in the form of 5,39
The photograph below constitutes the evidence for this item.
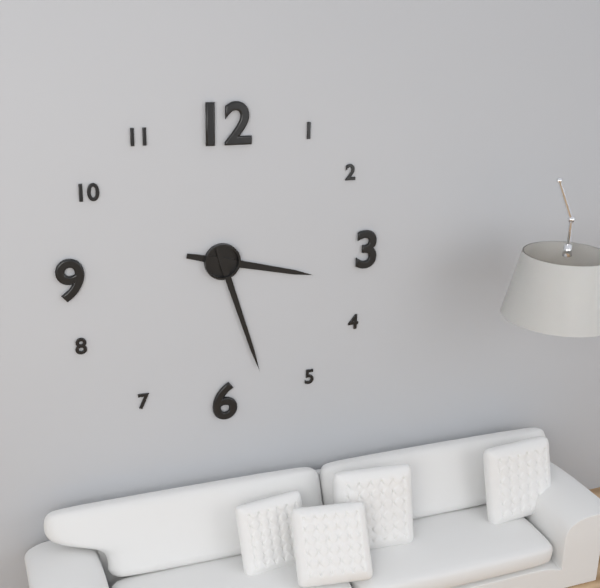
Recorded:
3,27
